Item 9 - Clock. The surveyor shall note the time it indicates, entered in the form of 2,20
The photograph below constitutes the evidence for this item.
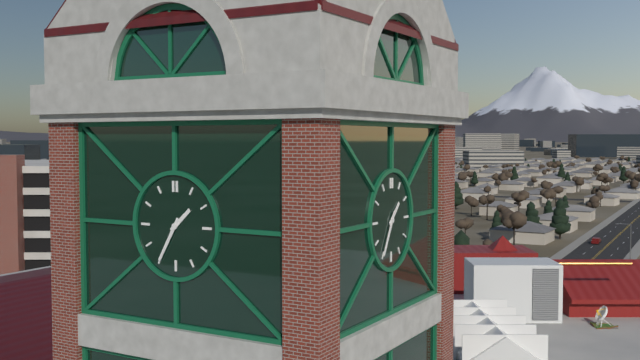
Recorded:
1,35
